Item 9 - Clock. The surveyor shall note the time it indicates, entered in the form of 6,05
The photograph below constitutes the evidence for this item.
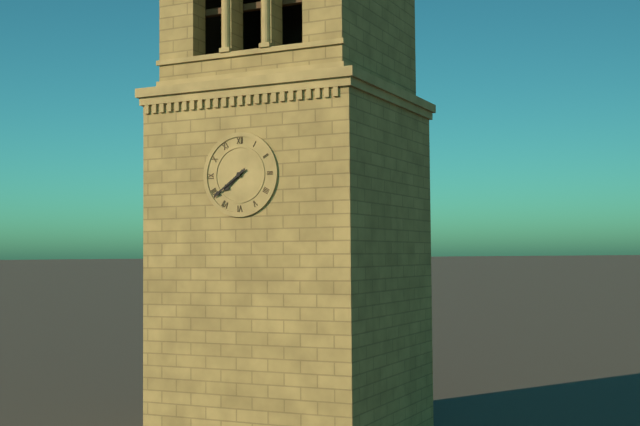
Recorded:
7,39
